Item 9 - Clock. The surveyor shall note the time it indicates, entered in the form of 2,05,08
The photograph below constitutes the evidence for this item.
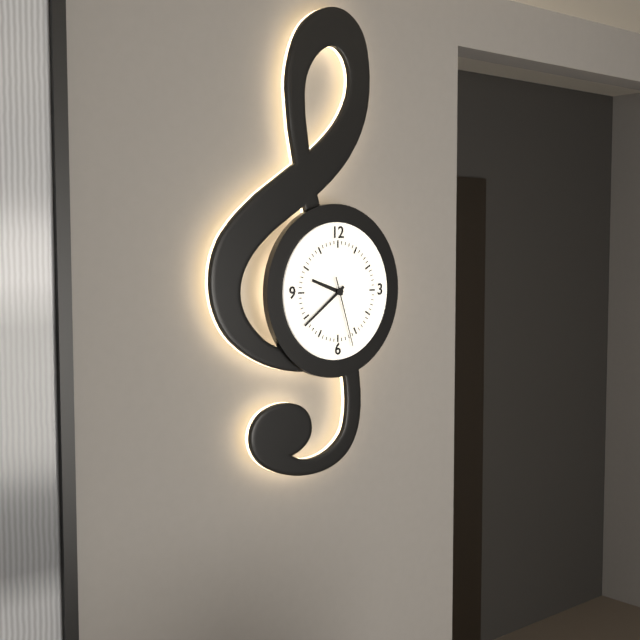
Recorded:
9,39,27
